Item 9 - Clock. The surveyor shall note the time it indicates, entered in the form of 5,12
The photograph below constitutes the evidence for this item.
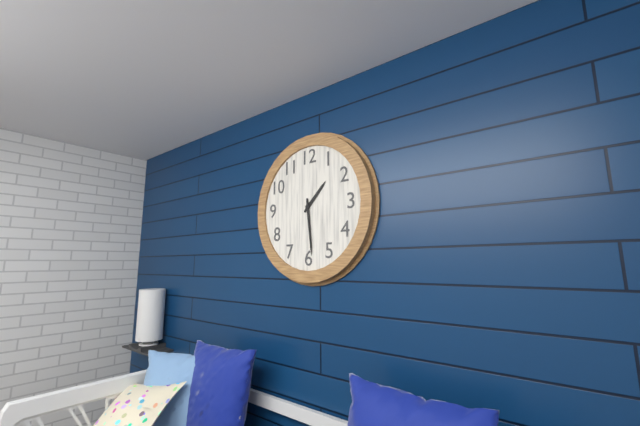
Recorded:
1,29
